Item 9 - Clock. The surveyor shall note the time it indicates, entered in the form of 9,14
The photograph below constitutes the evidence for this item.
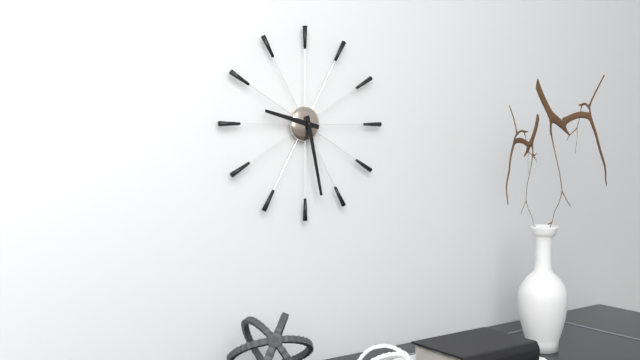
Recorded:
9,28
